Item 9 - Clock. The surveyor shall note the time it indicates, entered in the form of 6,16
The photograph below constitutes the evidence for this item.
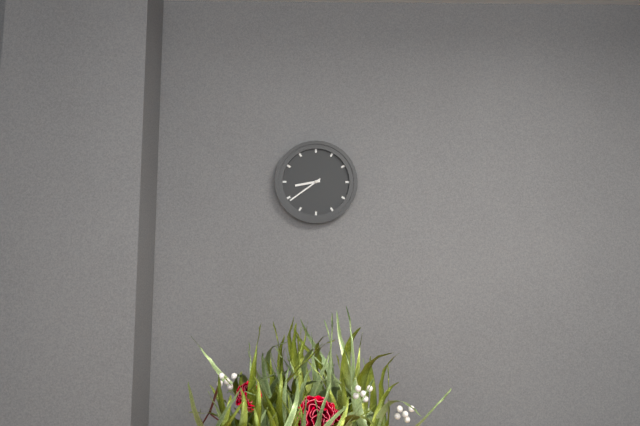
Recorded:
8,39
